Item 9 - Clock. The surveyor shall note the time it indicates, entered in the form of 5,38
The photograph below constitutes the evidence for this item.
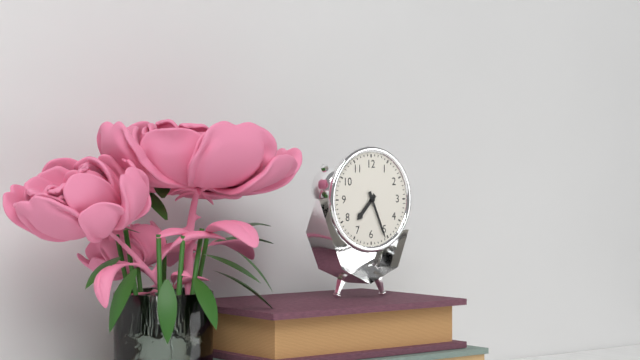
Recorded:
7,26
